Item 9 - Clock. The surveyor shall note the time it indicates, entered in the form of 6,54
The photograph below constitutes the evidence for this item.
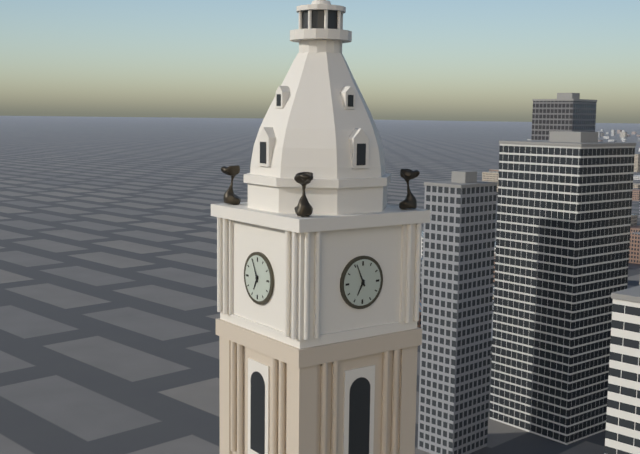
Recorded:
6,56
